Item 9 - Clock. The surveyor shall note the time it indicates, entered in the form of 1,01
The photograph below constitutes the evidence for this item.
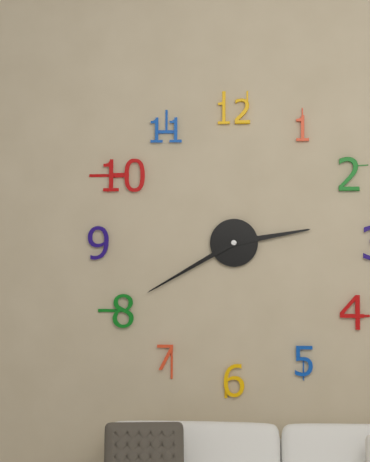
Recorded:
2,40
